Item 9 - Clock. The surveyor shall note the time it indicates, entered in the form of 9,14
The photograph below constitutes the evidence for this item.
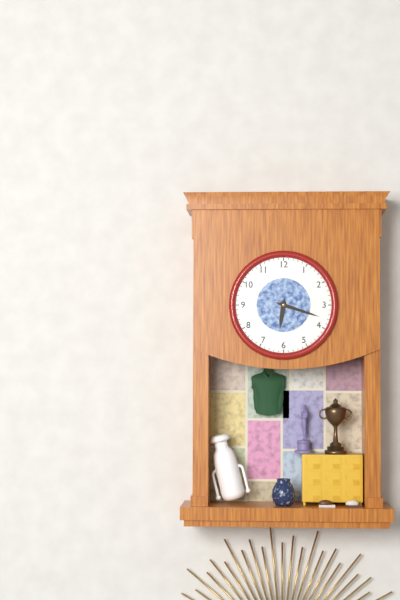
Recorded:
6,18
